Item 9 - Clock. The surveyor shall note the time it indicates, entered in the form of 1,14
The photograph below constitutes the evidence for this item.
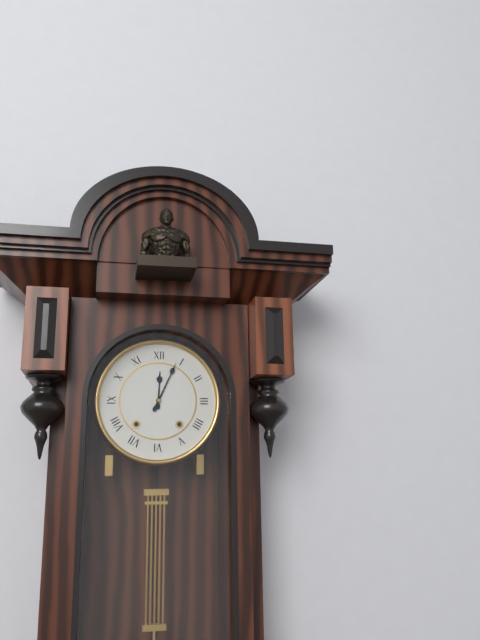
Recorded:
12,04
